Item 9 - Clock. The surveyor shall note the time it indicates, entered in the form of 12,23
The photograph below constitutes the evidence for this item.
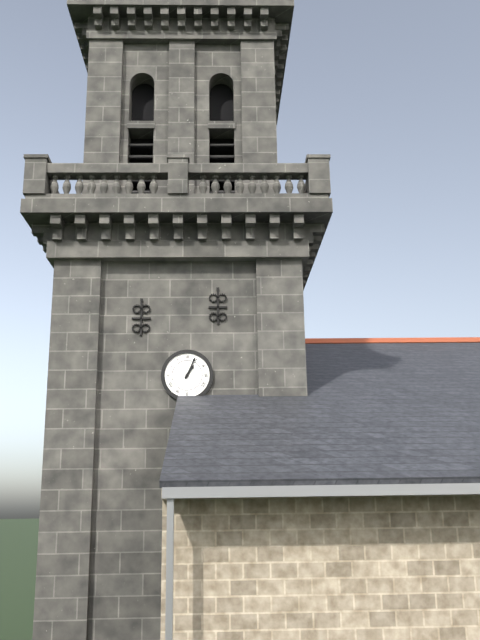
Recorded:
1,04
